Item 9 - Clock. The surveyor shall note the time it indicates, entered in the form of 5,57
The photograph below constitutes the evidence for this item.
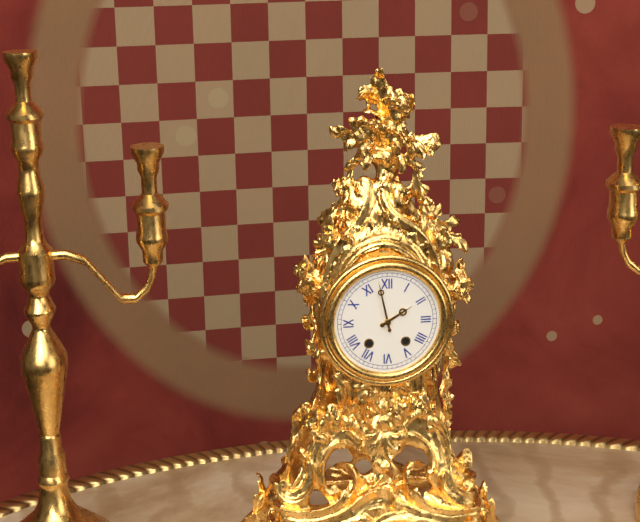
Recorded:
1,58
